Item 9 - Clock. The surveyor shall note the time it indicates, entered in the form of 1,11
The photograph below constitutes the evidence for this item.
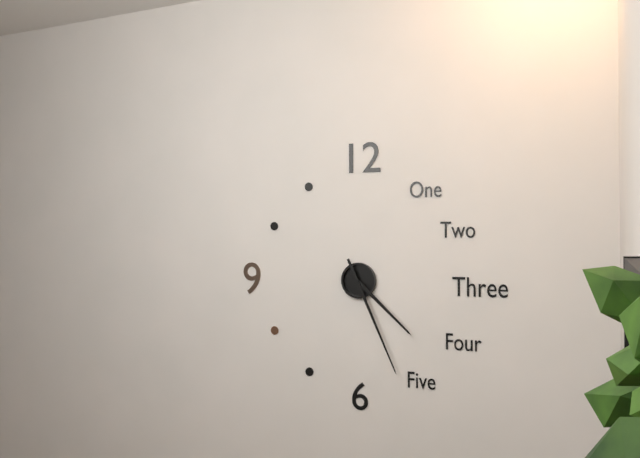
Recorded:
4,26
